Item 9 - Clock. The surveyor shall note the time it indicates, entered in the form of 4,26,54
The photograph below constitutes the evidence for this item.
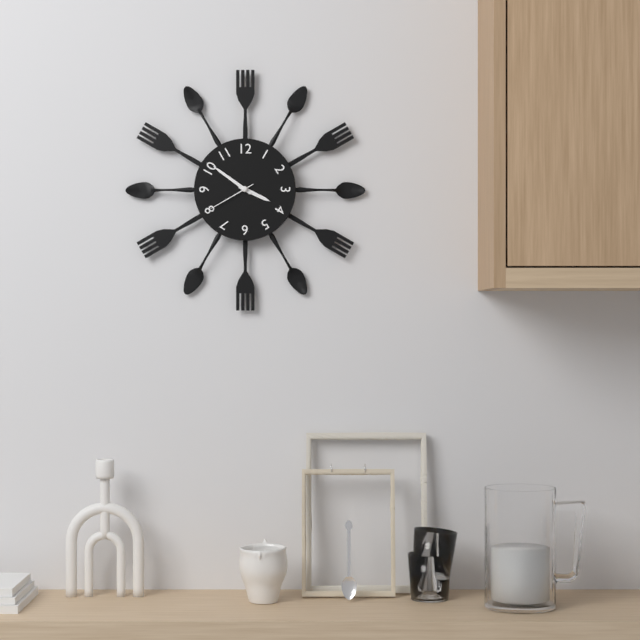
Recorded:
3,51,40
